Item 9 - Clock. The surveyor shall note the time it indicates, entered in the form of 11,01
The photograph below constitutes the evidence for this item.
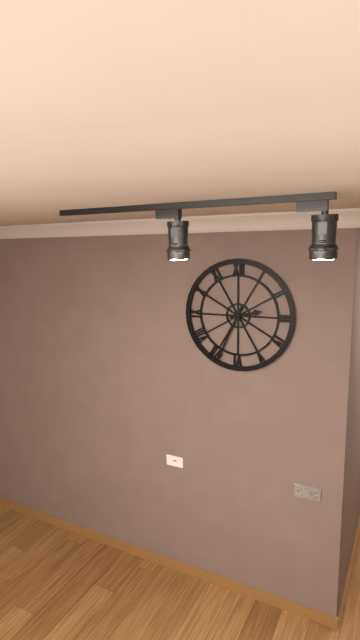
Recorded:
2,34
